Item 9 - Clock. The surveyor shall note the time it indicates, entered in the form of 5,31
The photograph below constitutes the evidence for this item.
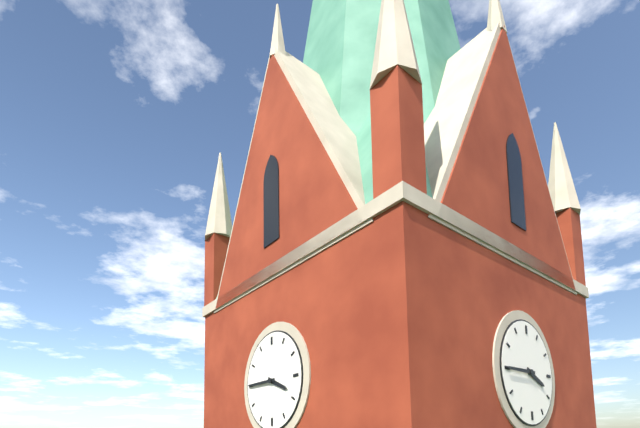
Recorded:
3,45
